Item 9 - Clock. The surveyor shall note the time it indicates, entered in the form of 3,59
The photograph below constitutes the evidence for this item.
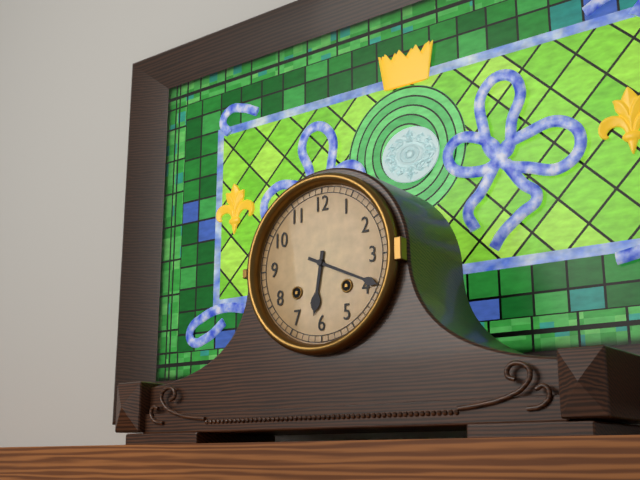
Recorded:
6,19
